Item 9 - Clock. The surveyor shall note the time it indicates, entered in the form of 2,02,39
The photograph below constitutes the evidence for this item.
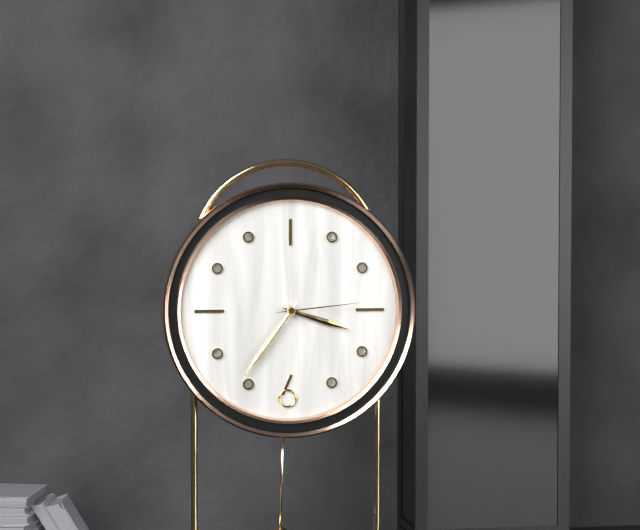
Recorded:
3,36,14
